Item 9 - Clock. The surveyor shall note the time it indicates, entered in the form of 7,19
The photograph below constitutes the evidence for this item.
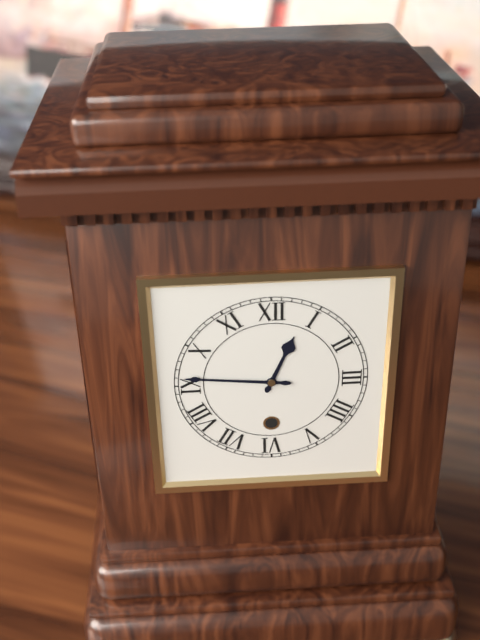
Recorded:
12,46
